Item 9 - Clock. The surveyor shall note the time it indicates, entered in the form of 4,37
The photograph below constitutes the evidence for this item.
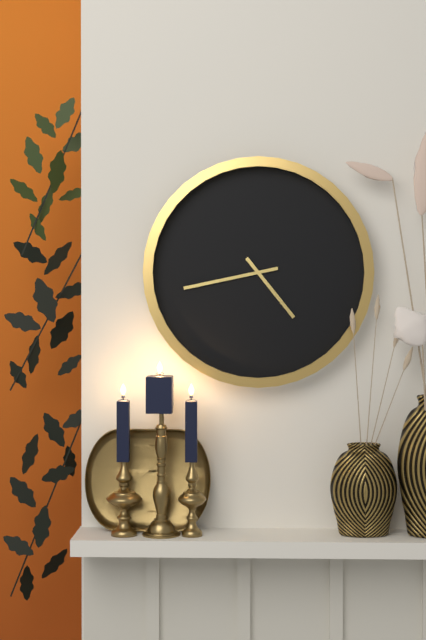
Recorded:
4,43
